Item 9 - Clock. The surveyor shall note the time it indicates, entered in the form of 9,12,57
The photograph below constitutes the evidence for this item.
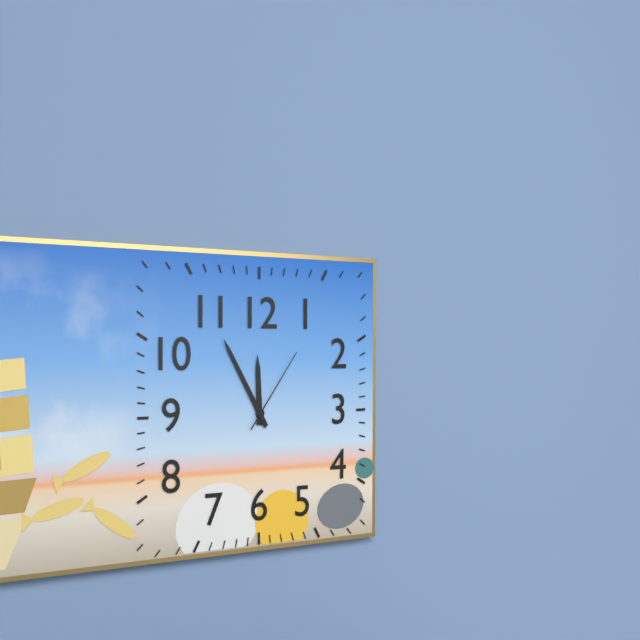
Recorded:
11,55,06
